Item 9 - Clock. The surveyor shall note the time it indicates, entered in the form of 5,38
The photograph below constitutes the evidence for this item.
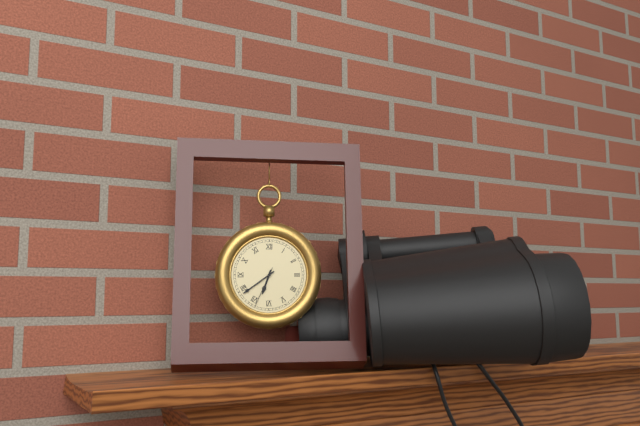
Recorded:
6,39
